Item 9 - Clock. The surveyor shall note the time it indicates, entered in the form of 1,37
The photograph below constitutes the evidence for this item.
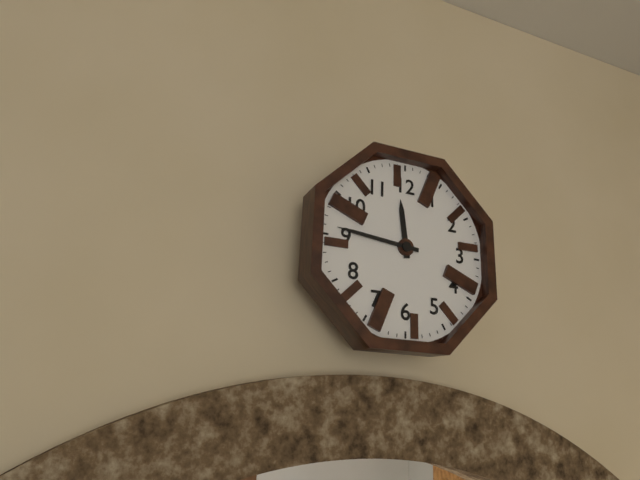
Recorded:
11,46
